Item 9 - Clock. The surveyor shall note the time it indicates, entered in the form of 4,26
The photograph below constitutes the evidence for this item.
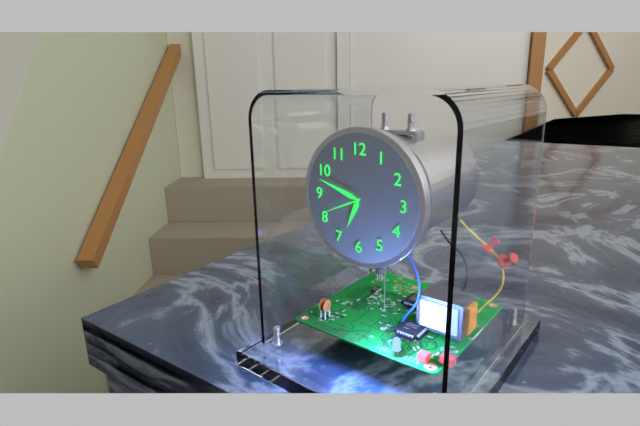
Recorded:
6,48
